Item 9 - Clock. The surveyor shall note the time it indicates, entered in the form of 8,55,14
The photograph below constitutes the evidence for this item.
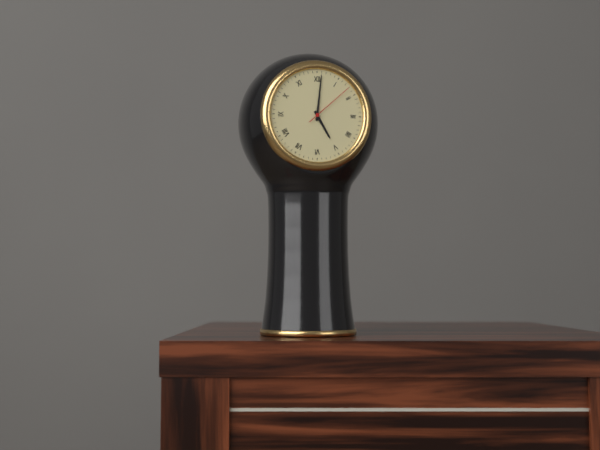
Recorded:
5,01,08
